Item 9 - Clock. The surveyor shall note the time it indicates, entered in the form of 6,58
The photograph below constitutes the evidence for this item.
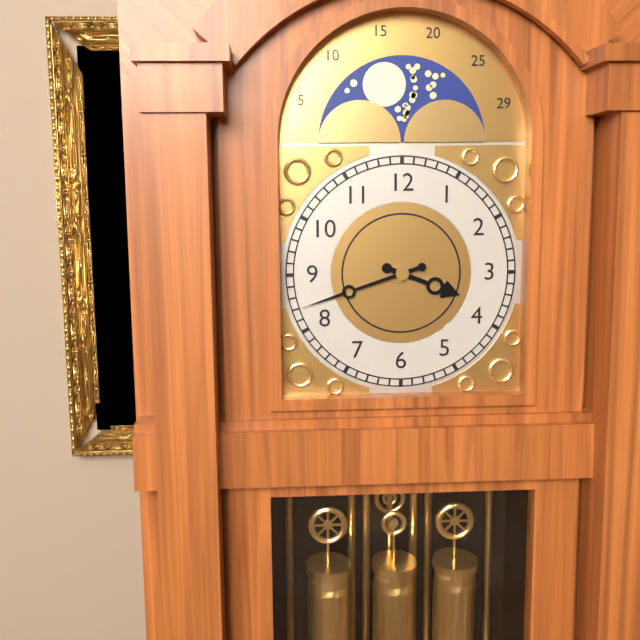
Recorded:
3,42
